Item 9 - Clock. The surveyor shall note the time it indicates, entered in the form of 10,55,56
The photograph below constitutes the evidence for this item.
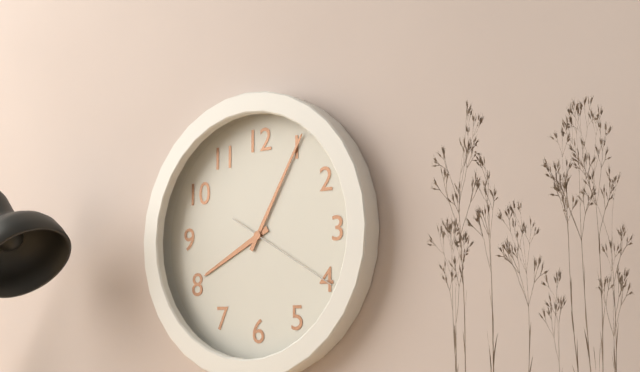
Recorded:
8,05,20
